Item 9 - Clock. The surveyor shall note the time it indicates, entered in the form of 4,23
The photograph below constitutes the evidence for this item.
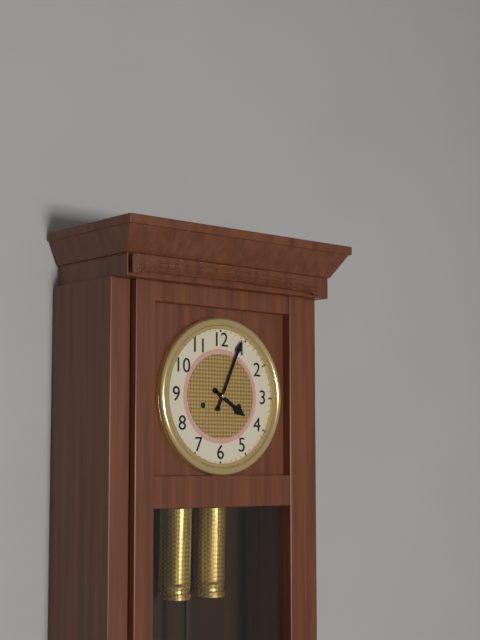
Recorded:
4,04
